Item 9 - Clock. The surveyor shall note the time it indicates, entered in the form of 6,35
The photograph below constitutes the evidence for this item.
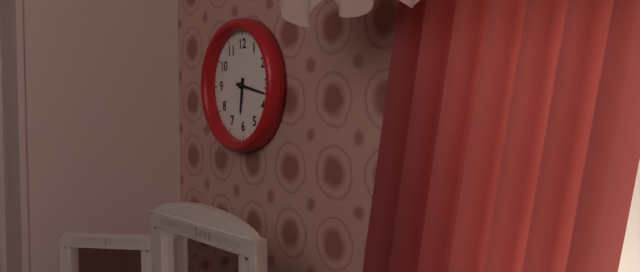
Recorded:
6,17
